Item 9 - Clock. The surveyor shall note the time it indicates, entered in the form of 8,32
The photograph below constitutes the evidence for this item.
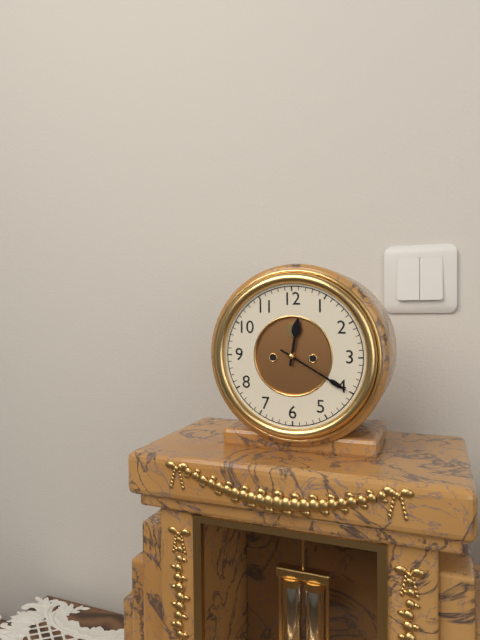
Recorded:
12,20
